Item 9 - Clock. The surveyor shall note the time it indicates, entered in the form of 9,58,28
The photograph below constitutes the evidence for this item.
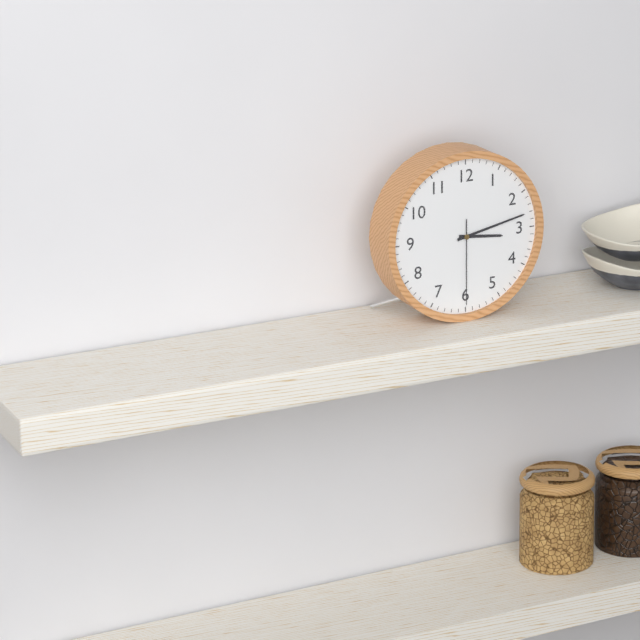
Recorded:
3,13,30
